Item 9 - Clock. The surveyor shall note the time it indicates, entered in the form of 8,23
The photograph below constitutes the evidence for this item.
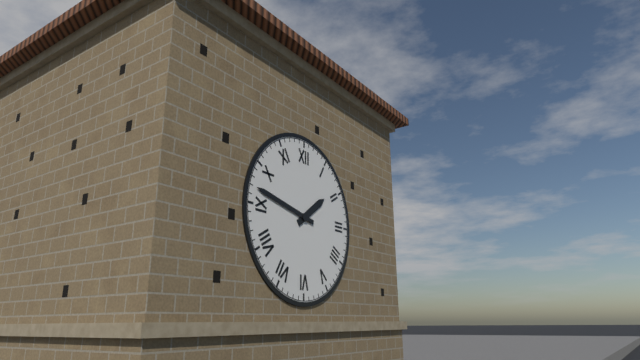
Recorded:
1,47
